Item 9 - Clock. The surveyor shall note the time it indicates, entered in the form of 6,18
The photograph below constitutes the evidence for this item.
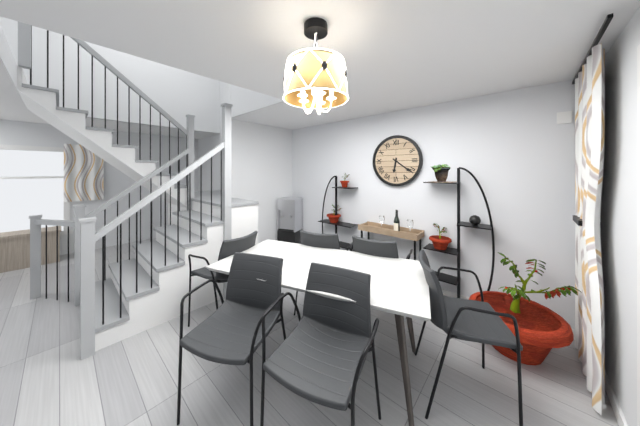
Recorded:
6,21
